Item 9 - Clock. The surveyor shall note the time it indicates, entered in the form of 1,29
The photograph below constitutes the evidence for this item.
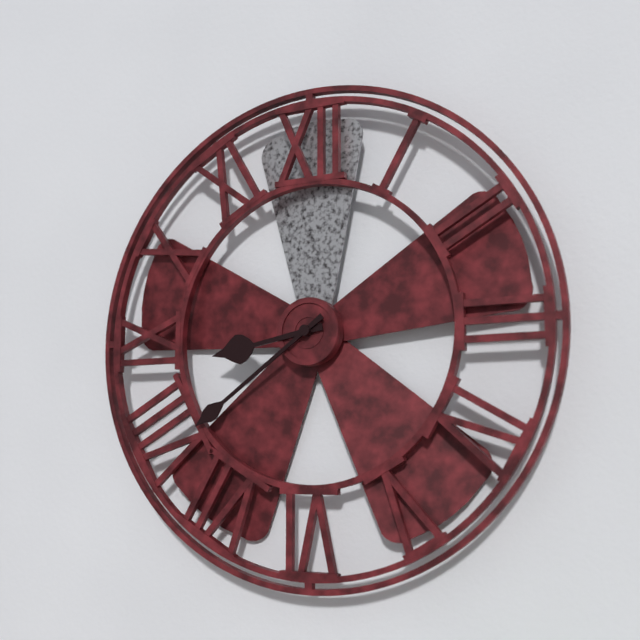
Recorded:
8,39
